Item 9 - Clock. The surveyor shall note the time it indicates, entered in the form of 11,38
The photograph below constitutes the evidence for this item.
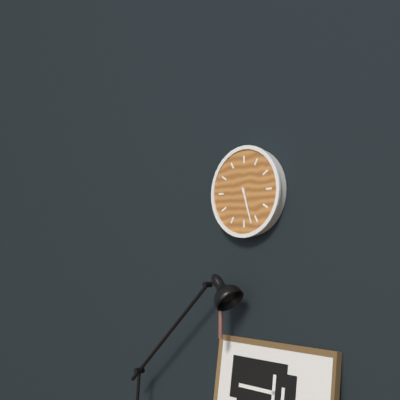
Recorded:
5,27
